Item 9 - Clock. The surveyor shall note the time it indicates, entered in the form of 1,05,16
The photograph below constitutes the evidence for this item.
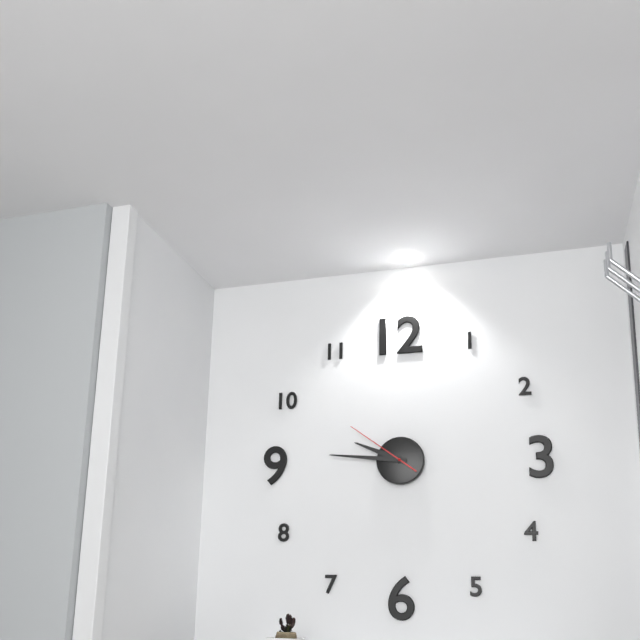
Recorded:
9,46,51
